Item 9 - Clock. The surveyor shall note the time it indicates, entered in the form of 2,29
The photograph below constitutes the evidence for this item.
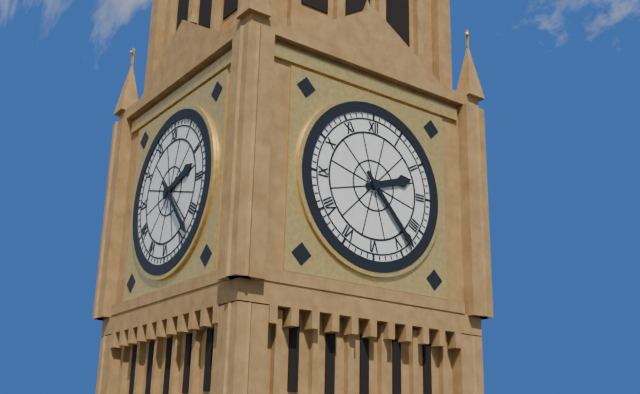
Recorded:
2,23
